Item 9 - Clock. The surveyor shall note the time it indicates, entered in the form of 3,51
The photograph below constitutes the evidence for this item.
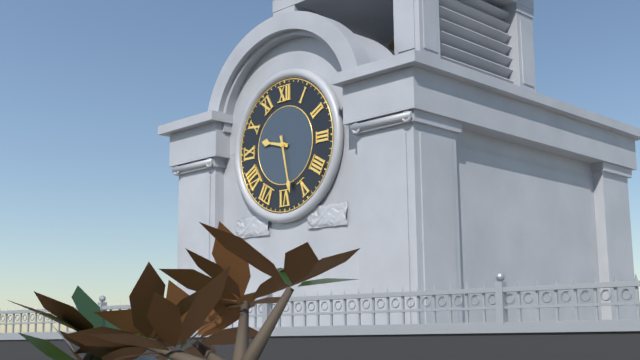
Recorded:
9,28
